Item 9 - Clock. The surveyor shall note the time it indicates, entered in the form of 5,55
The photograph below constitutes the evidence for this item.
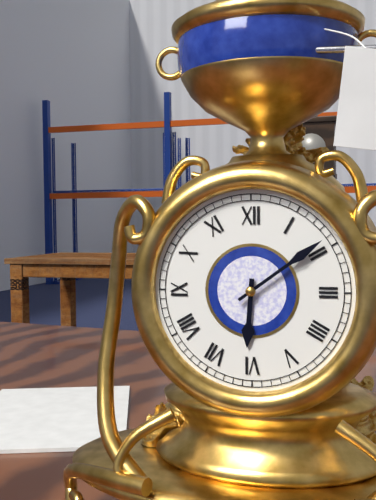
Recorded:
6,09
